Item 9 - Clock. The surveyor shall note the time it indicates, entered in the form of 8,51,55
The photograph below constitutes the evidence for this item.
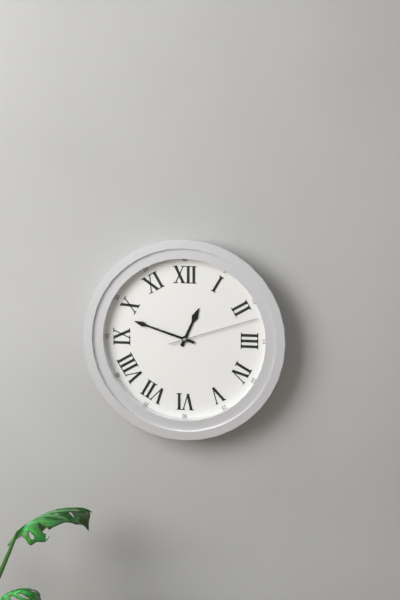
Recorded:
12,48,12
